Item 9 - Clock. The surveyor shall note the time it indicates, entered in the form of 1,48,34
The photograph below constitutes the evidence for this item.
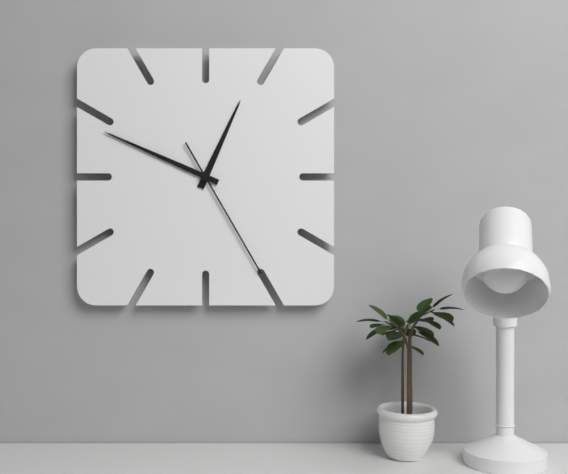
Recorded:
12,49,25
